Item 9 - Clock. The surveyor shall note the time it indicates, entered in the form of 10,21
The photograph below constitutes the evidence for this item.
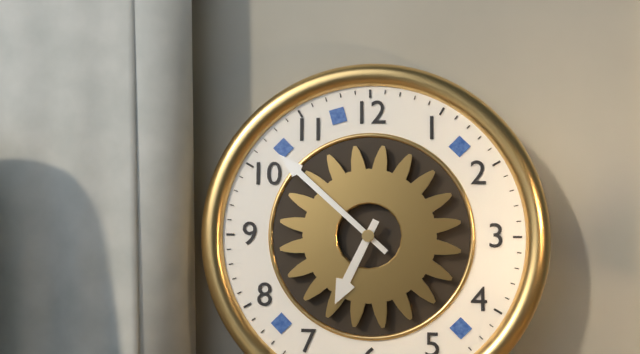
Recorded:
6,52
